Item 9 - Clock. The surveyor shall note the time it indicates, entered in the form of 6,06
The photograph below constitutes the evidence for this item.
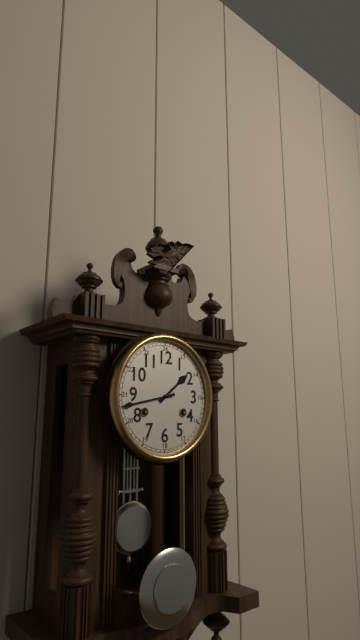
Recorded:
1,43
